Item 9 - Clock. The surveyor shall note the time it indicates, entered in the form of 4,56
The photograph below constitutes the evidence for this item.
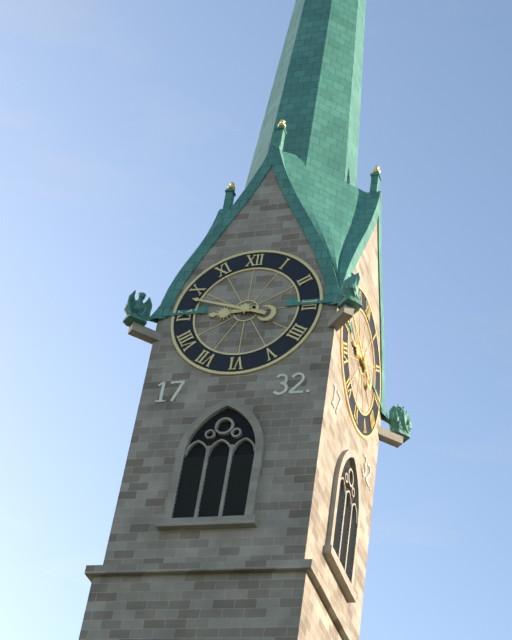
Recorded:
8,48
